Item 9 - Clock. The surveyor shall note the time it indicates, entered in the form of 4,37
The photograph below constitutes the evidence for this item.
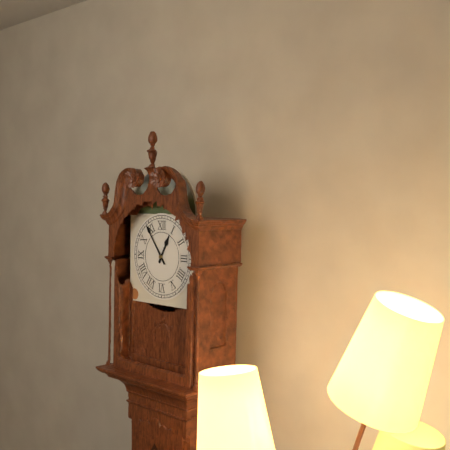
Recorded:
12,54
